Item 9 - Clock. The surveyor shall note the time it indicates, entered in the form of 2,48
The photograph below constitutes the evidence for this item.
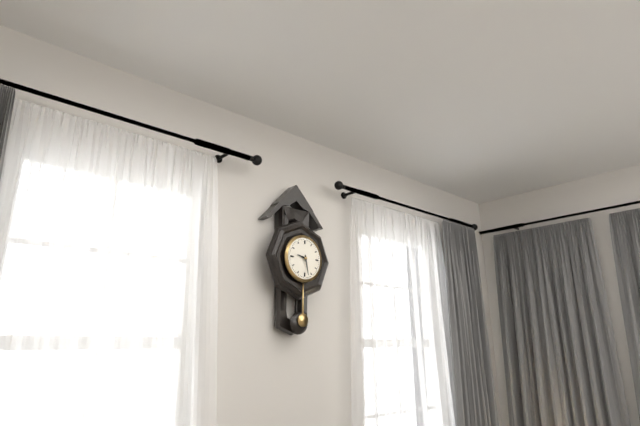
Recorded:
9,28
